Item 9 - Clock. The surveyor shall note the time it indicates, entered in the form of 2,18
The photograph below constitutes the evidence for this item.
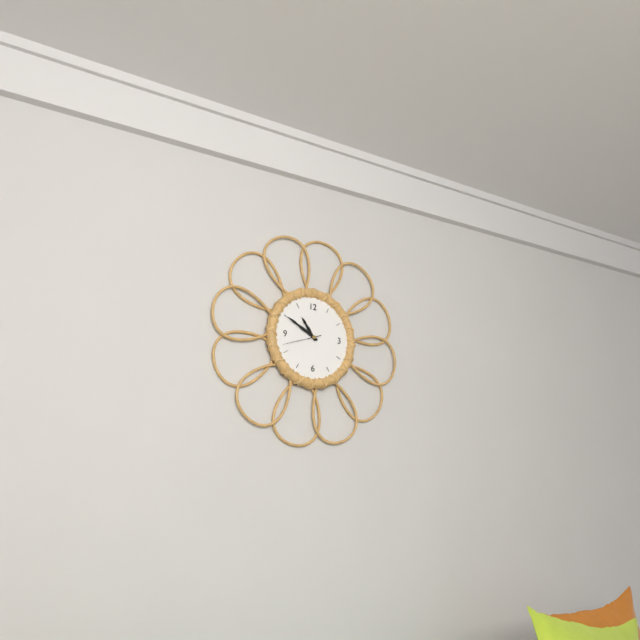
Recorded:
10,50
